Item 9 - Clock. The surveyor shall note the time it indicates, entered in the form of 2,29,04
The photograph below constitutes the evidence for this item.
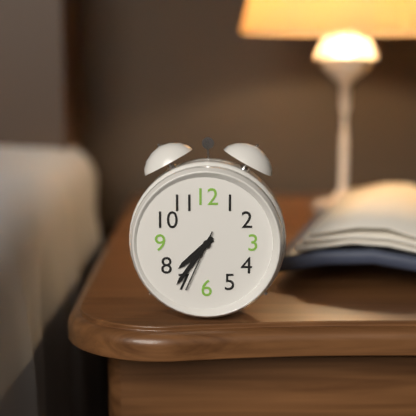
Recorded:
7,36,34
